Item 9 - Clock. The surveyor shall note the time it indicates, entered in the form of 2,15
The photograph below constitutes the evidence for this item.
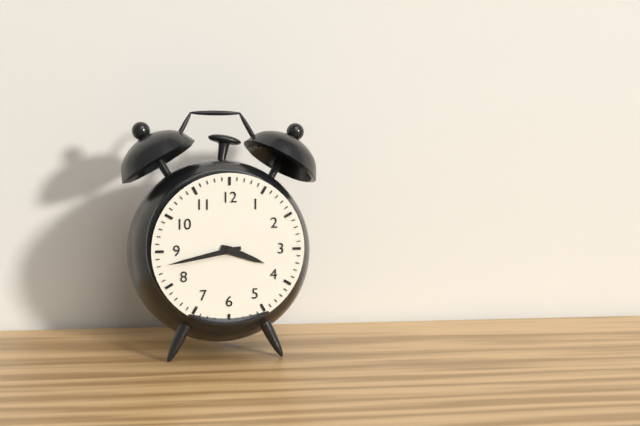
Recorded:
3,43
